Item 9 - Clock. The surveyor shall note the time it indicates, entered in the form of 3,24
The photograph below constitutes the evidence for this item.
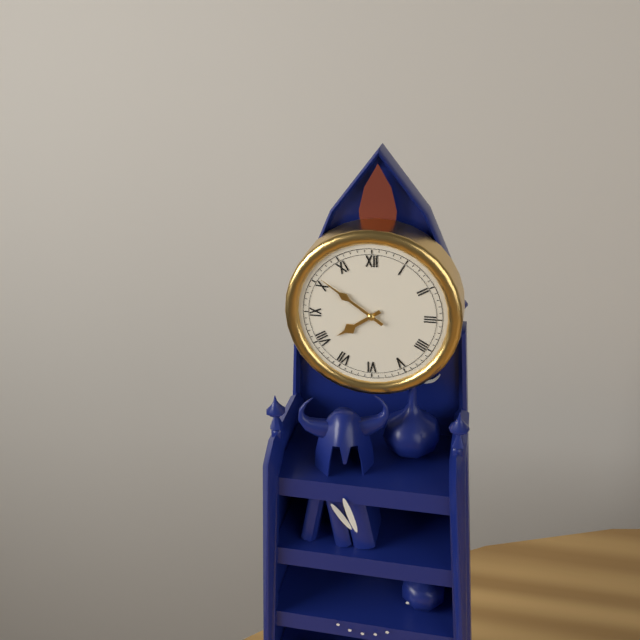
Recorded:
7,51
